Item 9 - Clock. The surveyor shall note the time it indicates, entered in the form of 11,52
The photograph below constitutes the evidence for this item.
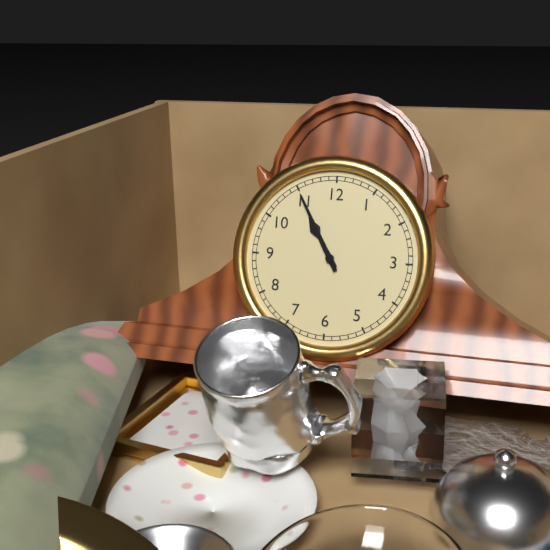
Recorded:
10,55
